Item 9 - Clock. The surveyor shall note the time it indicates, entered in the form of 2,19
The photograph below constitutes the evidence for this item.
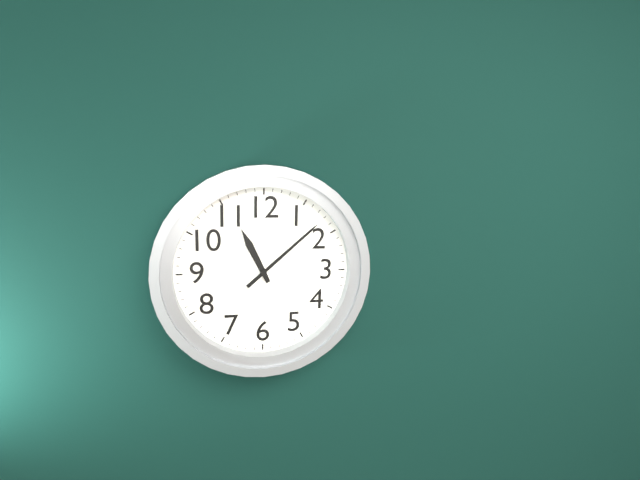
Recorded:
11,08
